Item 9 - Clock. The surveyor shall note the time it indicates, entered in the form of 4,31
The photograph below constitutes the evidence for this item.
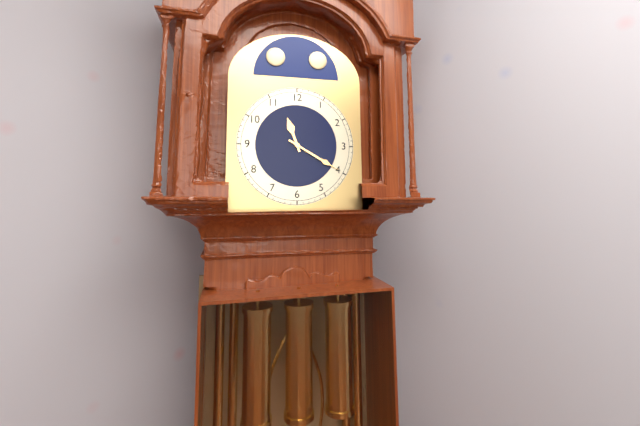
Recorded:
11,20
